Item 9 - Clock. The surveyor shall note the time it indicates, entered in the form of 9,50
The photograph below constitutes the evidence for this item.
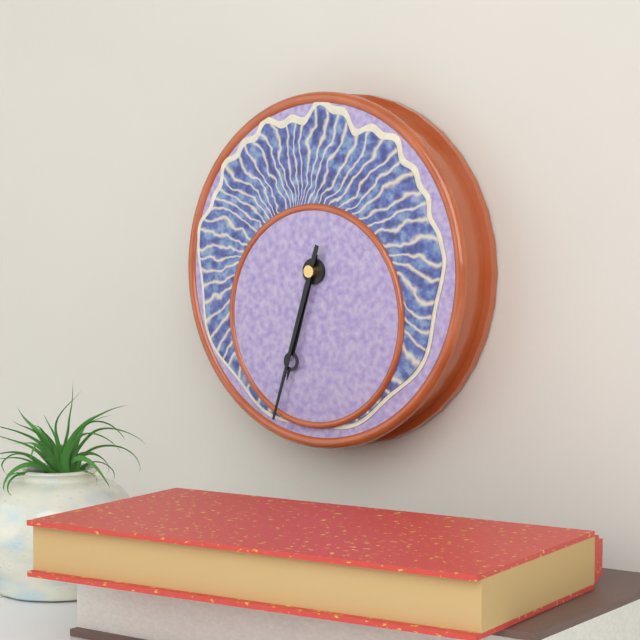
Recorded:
6,33
